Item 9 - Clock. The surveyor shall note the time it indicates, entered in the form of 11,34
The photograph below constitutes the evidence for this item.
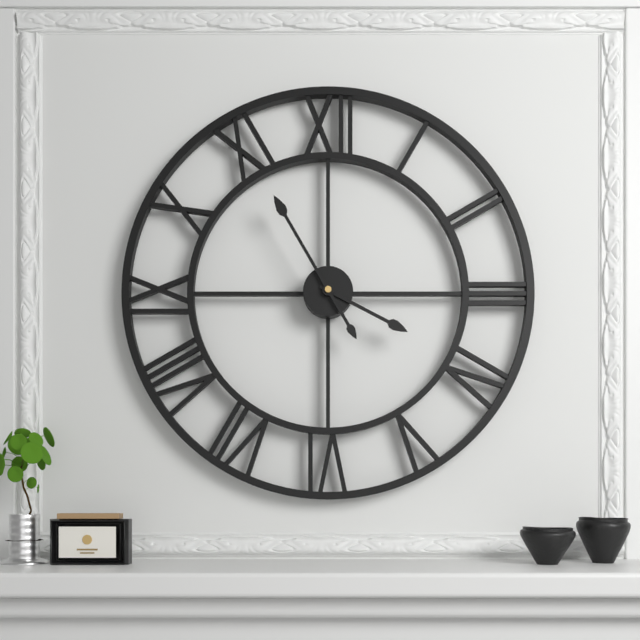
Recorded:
3,55
